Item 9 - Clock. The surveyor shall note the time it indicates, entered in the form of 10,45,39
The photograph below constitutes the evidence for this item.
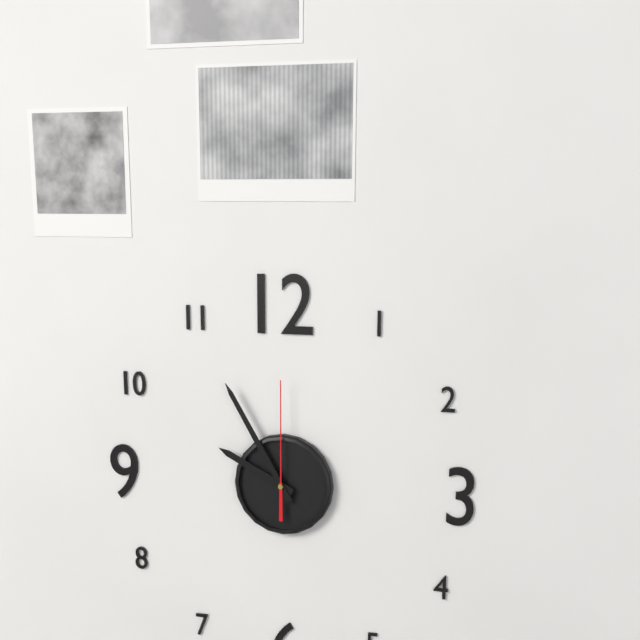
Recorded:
9,55,00
